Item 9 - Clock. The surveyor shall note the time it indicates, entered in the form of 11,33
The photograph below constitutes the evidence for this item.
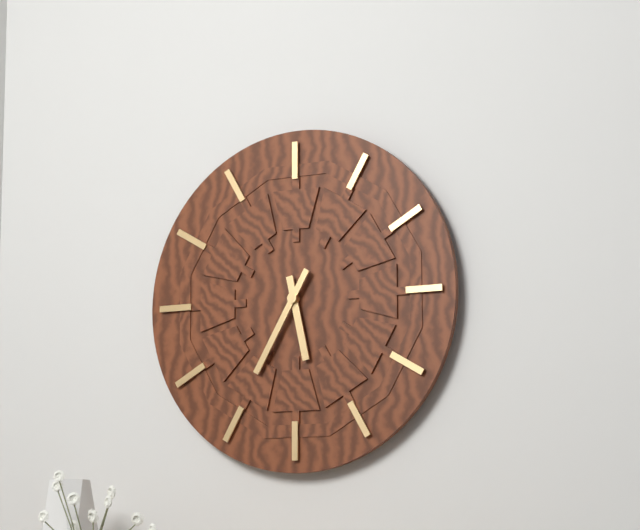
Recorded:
5,35
